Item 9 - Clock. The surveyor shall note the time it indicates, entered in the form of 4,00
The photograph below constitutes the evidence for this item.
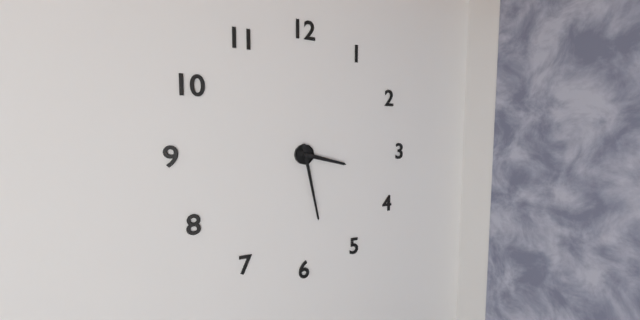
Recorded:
3,28
